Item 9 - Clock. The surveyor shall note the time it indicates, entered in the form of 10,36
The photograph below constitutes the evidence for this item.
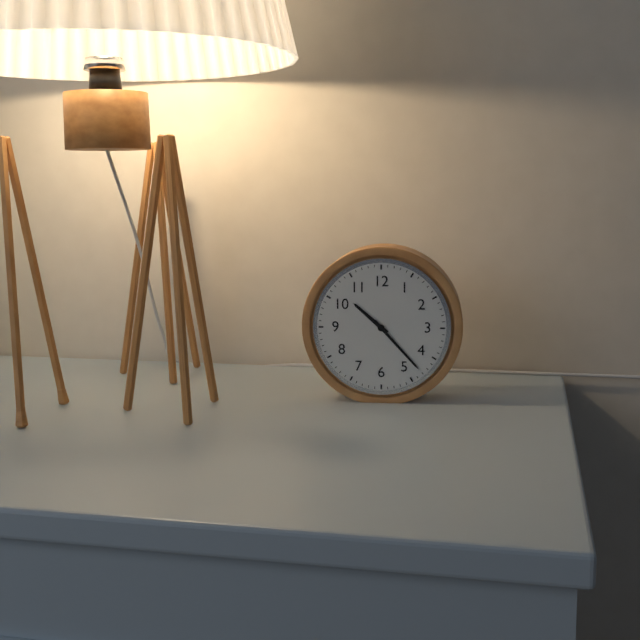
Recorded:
10,23
